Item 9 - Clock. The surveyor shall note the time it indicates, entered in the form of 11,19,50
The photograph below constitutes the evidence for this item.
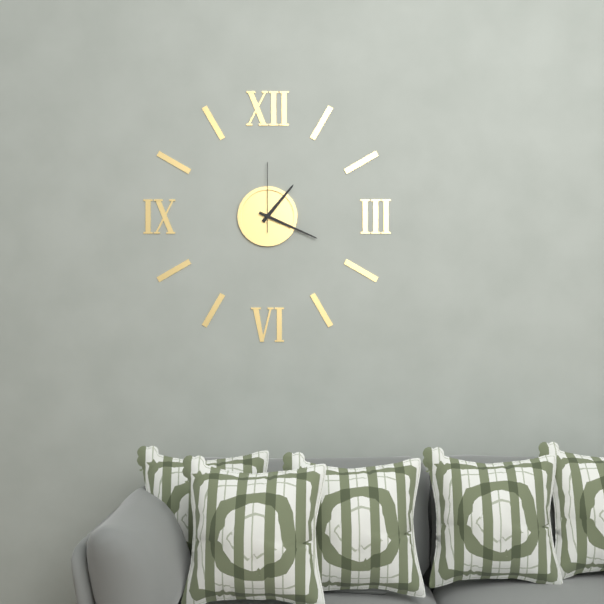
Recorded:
1,19,00
